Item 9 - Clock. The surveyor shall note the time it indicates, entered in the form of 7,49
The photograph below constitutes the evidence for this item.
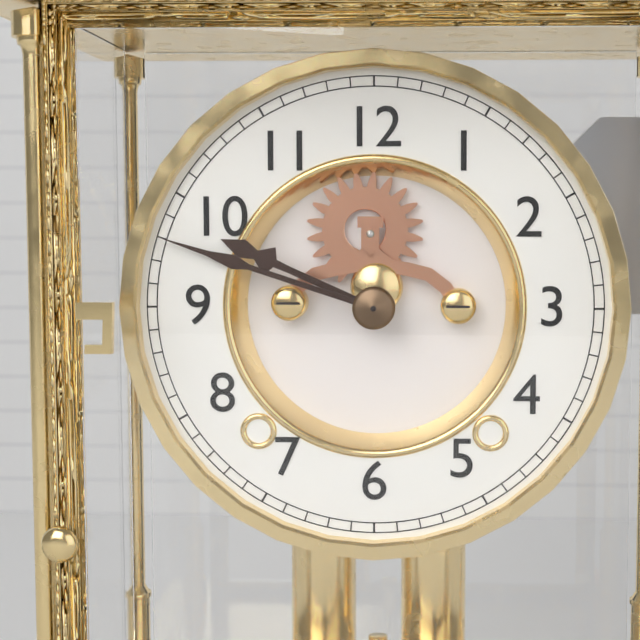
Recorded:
9,48
